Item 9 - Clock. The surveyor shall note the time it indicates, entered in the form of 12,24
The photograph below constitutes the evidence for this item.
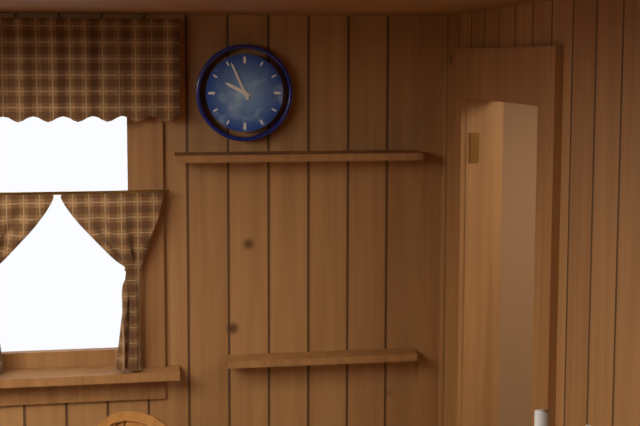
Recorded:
9,56
